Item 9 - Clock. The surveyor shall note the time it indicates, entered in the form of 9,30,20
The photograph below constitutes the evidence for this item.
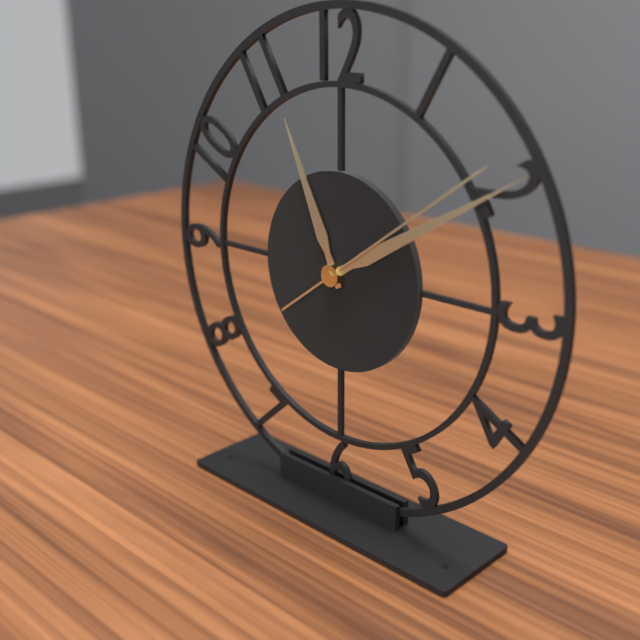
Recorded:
11,10,09
